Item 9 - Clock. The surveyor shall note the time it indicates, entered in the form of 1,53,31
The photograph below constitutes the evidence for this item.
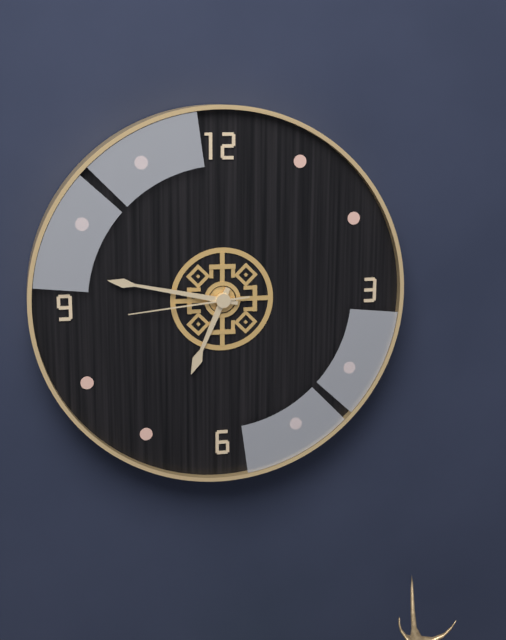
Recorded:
6,47,44
